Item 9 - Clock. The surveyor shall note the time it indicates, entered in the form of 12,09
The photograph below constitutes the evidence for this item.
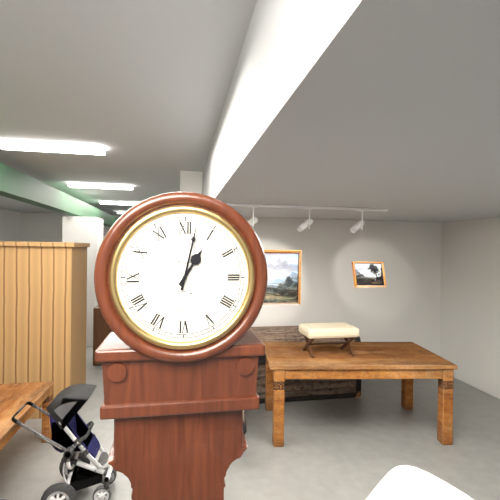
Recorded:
1,02
